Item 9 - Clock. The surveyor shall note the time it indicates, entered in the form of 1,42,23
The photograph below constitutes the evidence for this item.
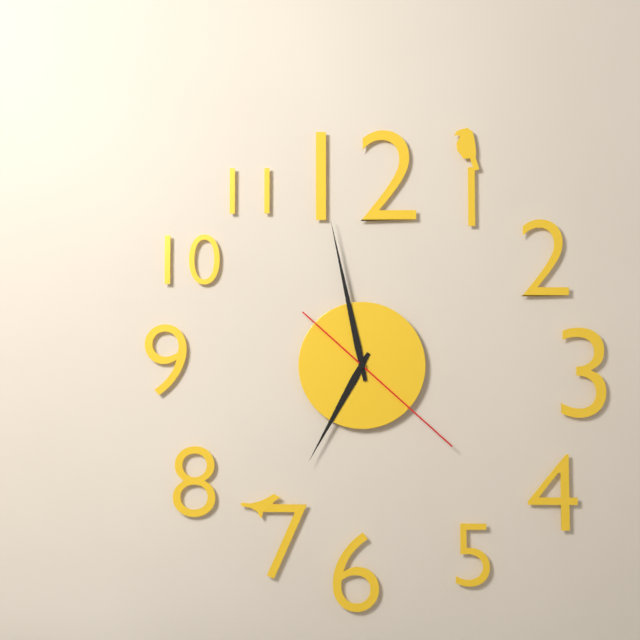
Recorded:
6,58,22
